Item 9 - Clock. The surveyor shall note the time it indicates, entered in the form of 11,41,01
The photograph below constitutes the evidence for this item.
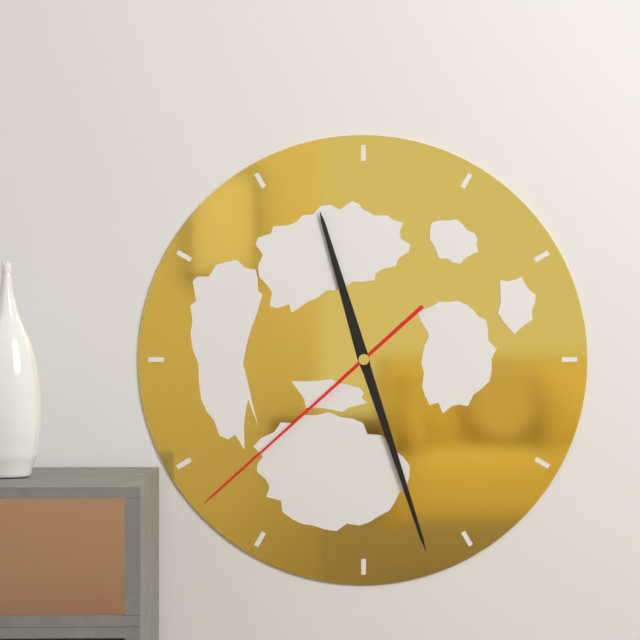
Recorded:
11,27,38
